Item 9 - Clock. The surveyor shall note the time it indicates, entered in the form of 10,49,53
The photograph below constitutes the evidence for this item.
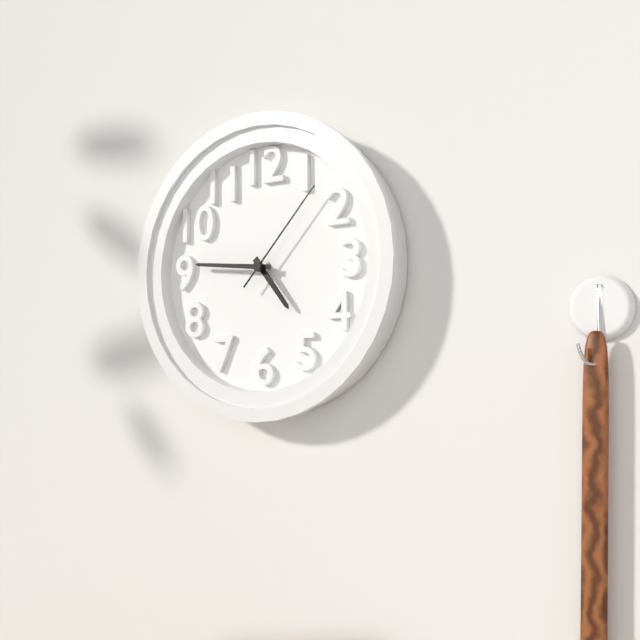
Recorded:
4,46,07
